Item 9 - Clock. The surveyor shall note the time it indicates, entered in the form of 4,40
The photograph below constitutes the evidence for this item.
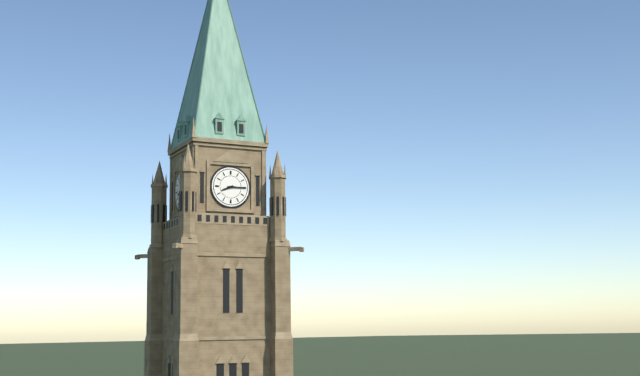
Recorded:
8,15
